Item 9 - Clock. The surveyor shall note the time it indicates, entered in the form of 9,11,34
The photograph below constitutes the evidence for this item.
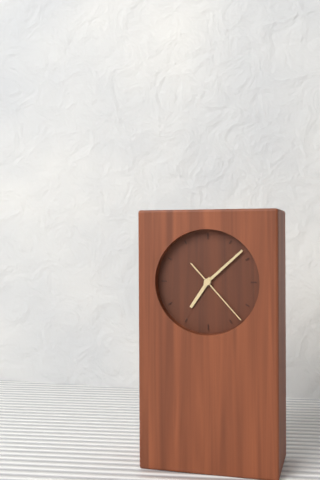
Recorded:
7,08,23
